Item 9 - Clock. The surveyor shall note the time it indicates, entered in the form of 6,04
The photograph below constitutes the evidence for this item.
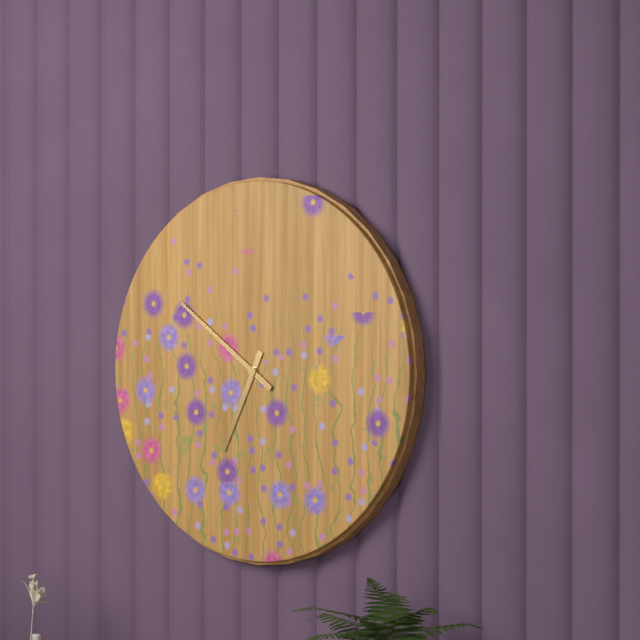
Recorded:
6,51
